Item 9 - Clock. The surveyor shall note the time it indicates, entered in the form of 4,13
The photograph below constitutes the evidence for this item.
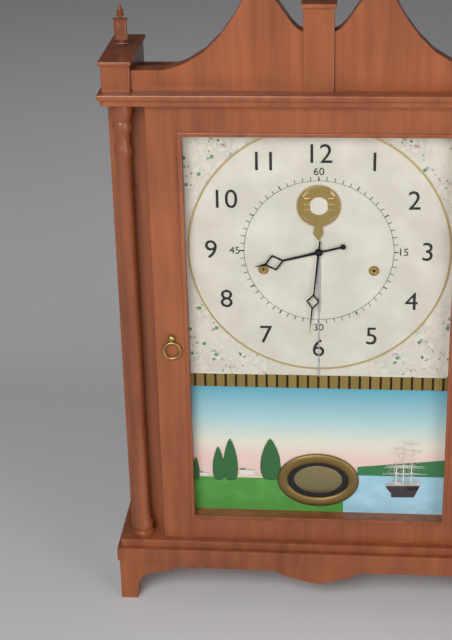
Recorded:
8,31
